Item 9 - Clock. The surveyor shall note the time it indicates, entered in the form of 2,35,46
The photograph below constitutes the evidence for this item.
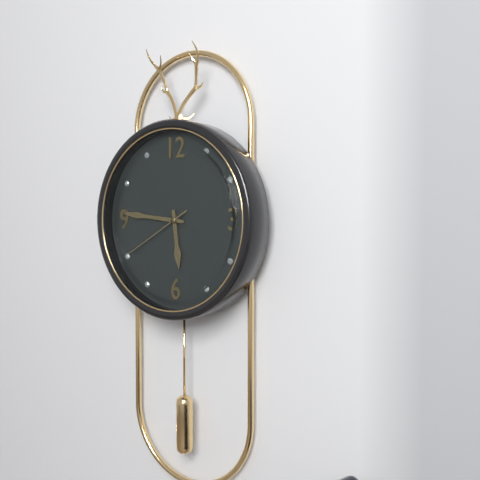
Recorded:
5,46,40
